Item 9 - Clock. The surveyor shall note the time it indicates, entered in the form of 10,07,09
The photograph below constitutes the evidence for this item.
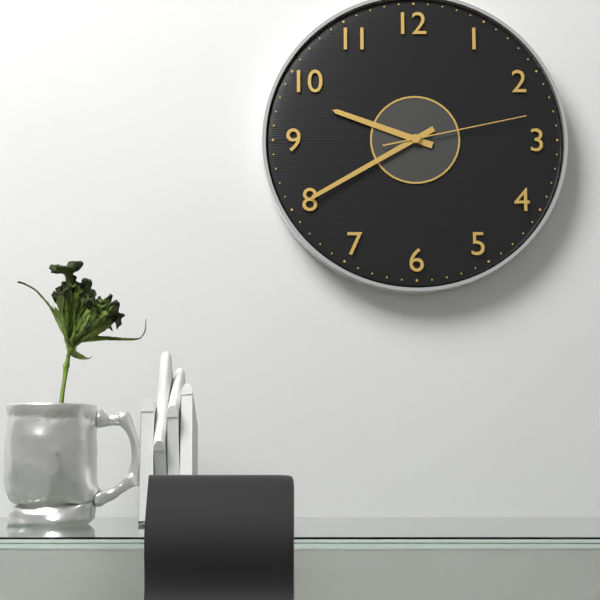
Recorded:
9,40,13
